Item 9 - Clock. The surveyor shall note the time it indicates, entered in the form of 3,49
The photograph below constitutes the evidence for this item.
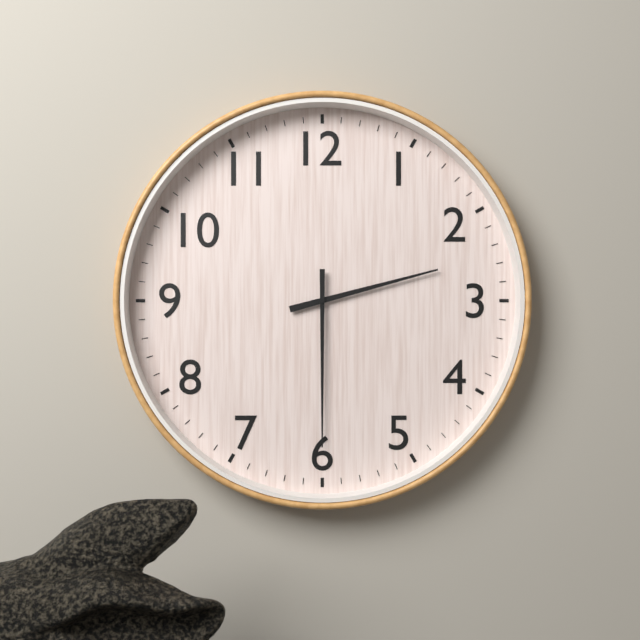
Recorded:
2,30
